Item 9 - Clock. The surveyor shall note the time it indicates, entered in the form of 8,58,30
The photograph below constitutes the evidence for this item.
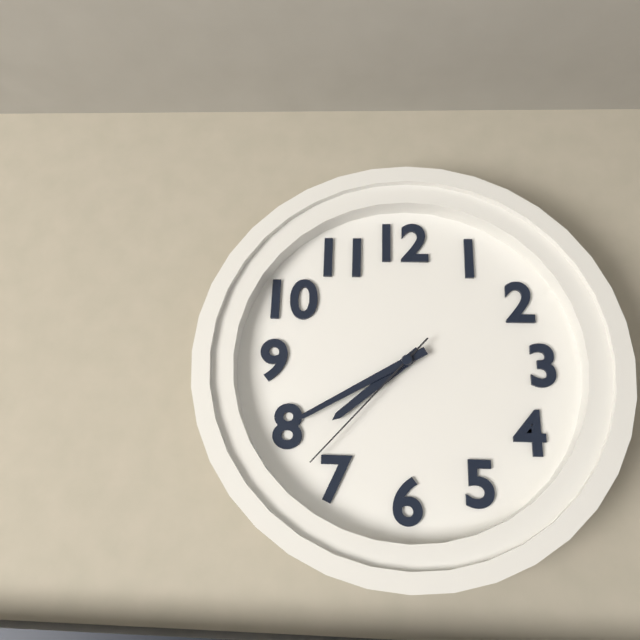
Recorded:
7,40,37
